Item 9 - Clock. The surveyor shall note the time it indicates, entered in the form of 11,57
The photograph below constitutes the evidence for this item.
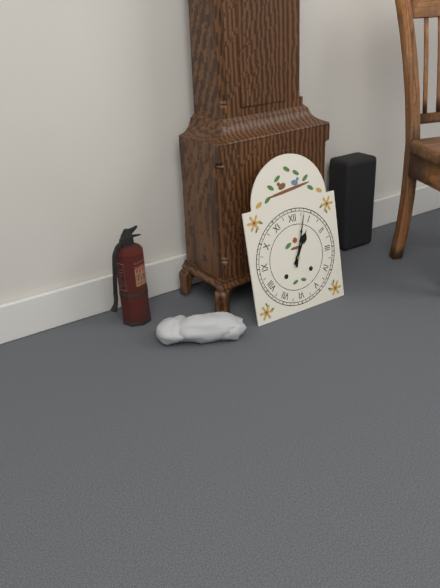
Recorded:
1,03
